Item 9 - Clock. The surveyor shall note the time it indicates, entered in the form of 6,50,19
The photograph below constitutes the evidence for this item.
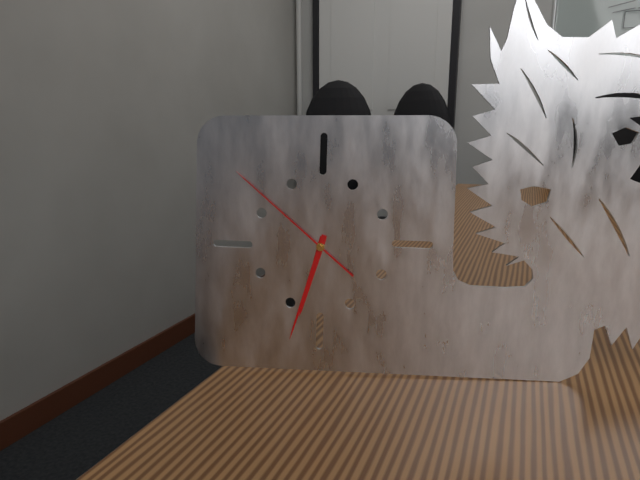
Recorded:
6,33,52
